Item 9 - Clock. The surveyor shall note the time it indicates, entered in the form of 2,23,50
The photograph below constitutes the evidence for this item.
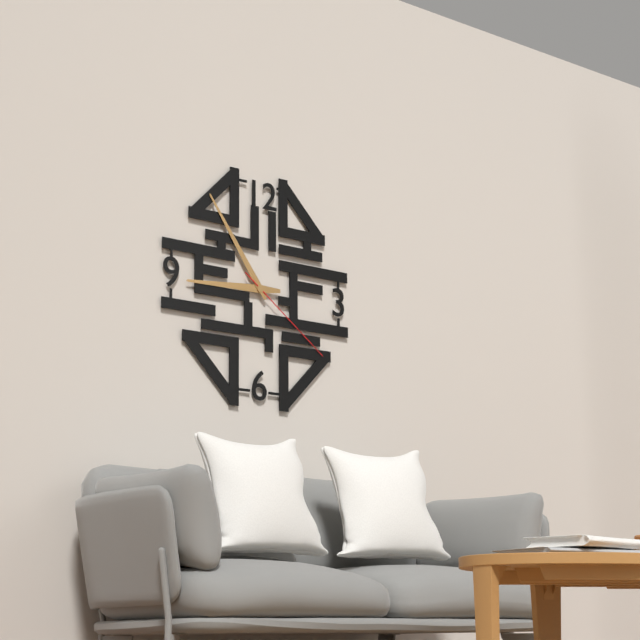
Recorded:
8,54,21
